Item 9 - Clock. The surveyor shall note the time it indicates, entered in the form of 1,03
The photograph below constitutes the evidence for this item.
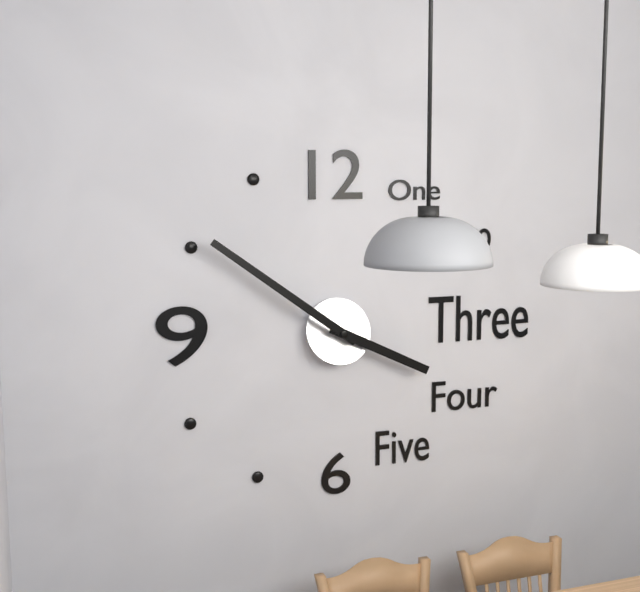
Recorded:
3,51
